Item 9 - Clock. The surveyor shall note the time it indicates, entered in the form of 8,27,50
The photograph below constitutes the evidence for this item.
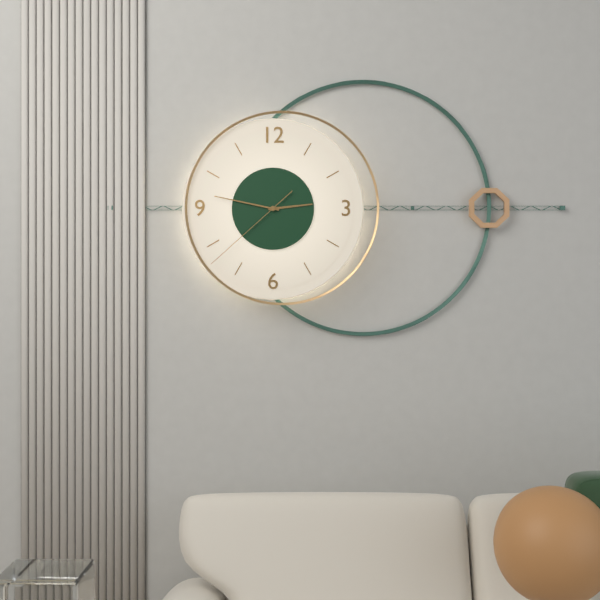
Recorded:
2,47,38
